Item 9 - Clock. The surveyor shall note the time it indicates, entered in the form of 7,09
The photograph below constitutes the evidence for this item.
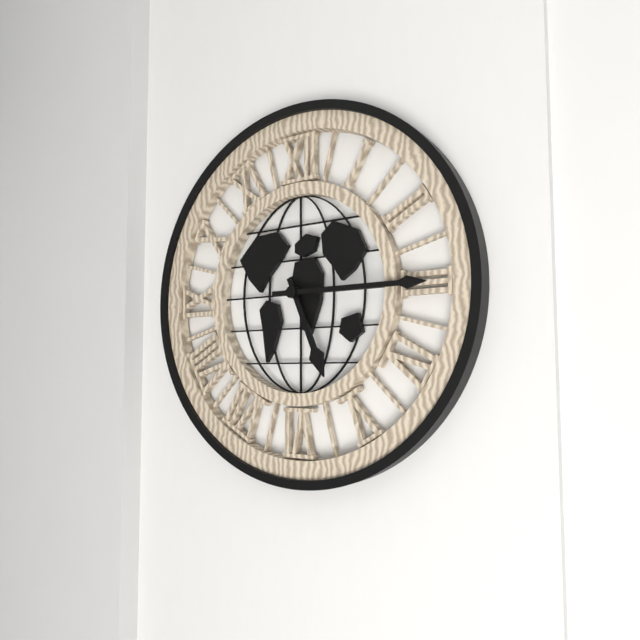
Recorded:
5,15
